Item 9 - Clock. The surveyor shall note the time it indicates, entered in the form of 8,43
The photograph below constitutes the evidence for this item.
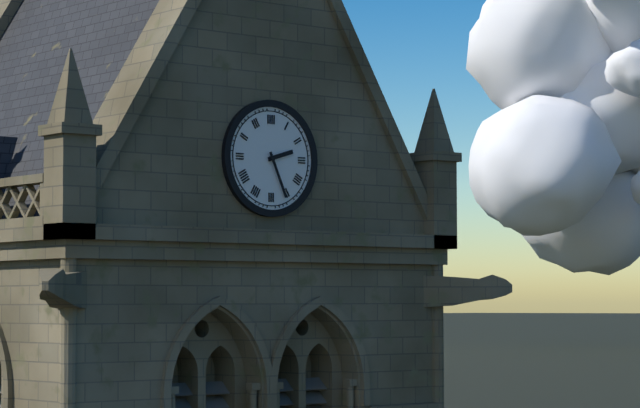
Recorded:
2,26
